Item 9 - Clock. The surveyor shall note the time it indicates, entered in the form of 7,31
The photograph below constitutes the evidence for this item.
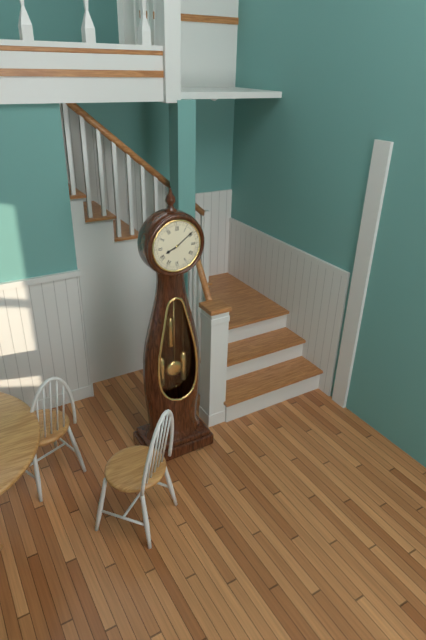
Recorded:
8,09
